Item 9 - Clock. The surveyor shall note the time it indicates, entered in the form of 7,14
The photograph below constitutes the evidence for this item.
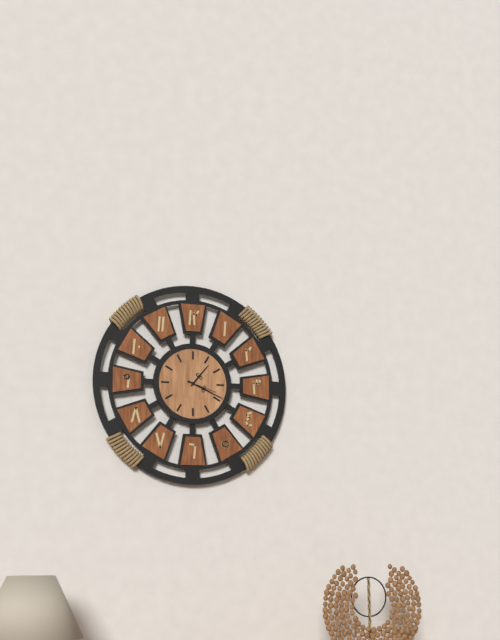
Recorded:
1,19
